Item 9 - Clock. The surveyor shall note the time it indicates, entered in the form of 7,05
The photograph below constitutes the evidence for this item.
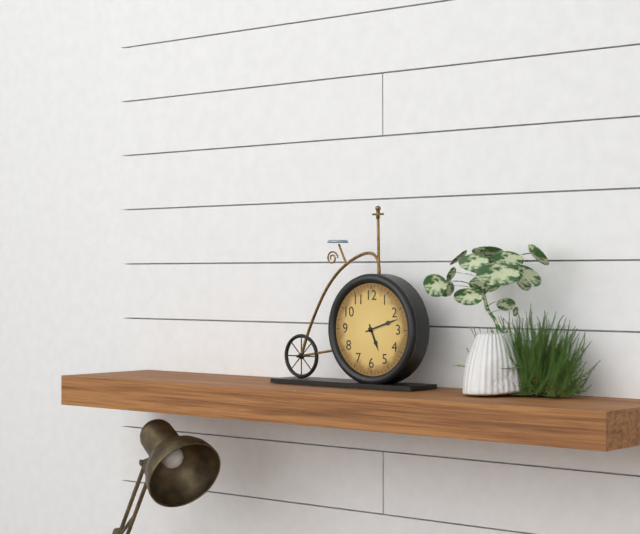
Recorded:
5,12
